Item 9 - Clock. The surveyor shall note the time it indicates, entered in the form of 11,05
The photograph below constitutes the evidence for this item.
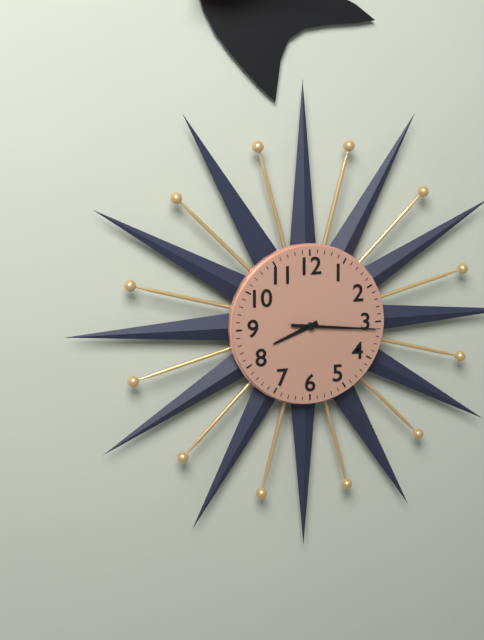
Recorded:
8,16
